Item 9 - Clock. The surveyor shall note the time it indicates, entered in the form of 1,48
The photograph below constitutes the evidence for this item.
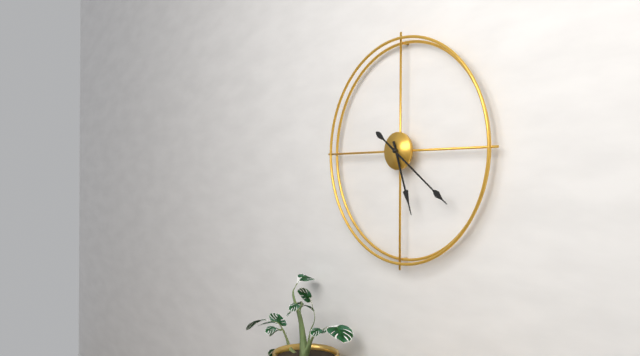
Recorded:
5,21
